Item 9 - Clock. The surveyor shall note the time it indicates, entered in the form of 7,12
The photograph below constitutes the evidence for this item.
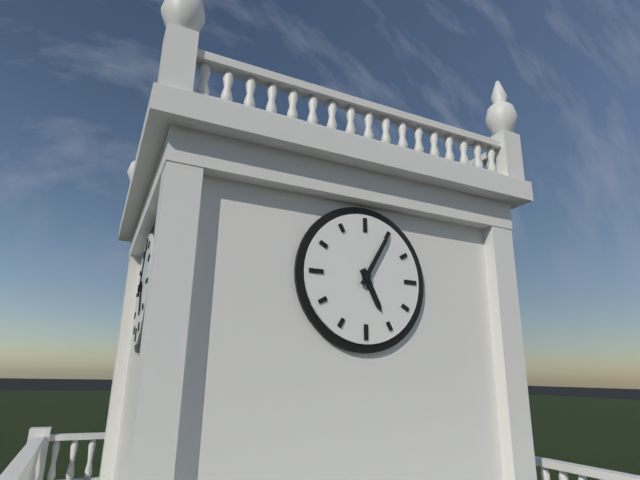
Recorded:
5,05
